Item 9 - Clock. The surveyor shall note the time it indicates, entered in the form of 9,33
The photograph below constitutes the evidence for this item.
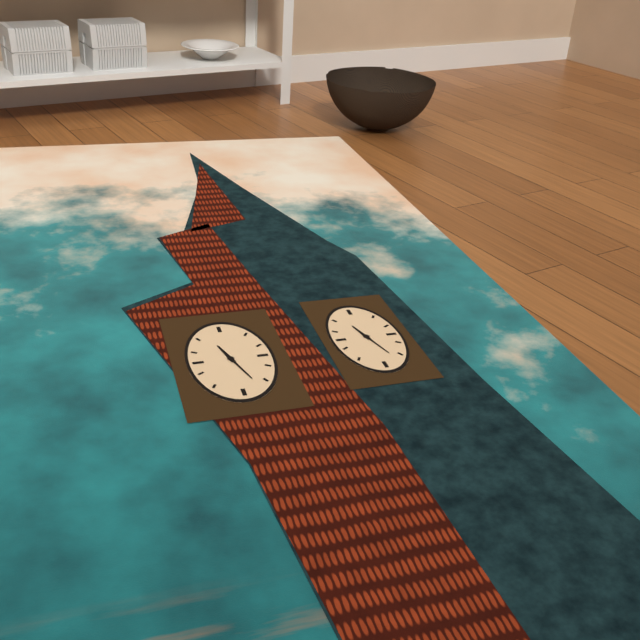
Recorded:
11,27
